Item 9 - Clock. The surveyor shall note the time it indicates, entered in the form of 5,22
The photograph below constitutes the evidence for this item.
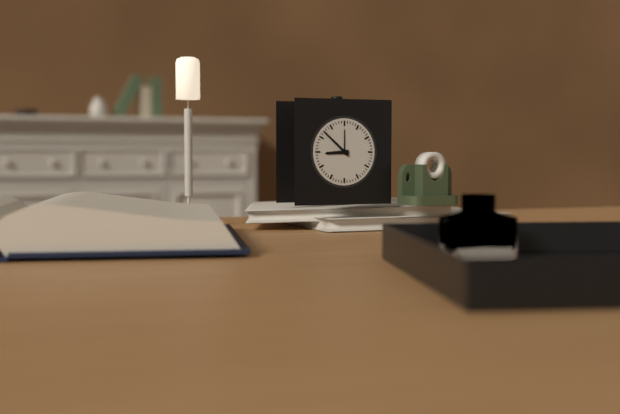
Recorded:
8,52
